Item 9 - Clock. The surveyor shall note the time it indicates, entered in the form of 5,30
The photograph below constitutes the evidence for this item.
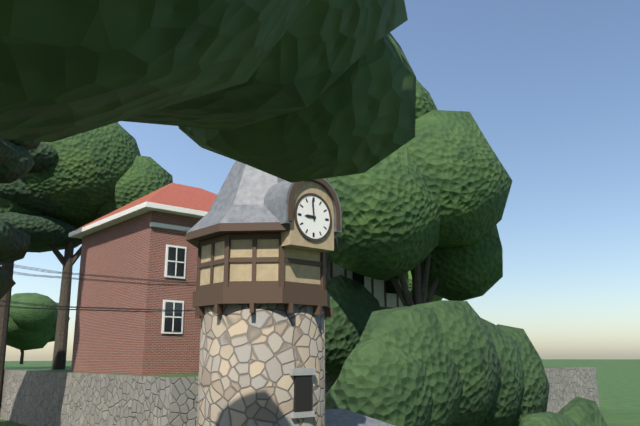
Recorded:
8,59
